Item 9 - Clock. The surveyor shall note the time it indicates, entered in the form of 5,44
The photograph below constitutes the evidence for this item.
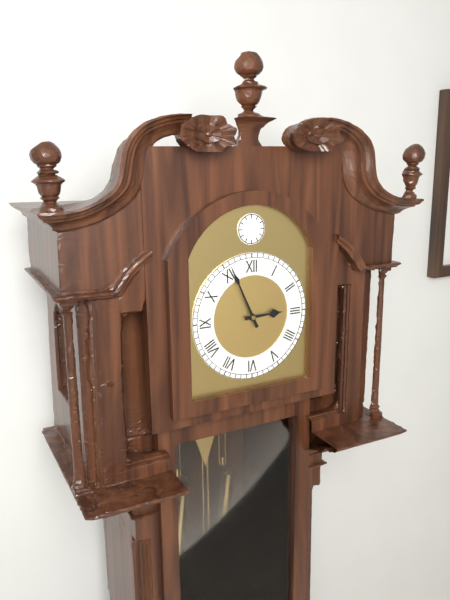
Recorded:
2,56
